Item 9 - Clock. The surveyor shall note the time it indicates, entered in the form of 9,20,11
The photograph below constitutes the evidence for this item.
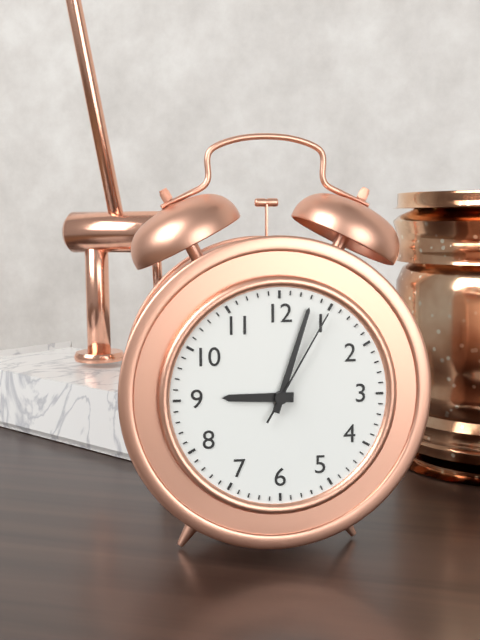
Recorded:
9,03,05
